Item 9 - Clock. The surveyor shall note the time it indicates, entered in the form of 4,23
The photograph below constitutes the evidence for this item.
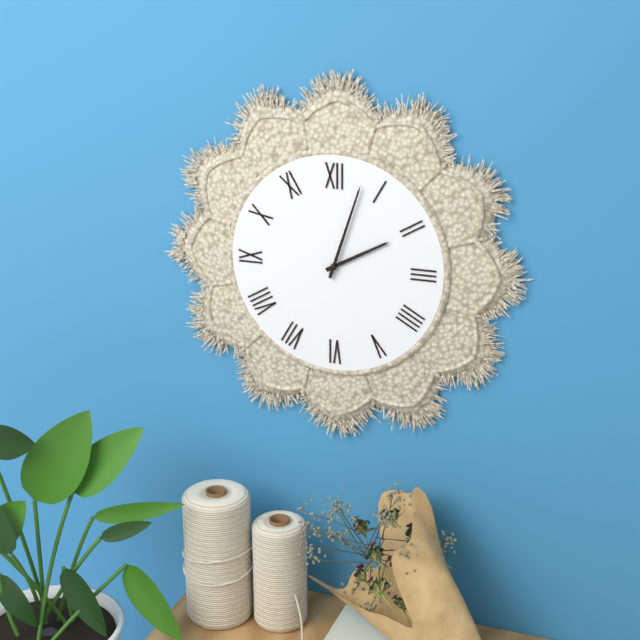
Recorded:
2,03
